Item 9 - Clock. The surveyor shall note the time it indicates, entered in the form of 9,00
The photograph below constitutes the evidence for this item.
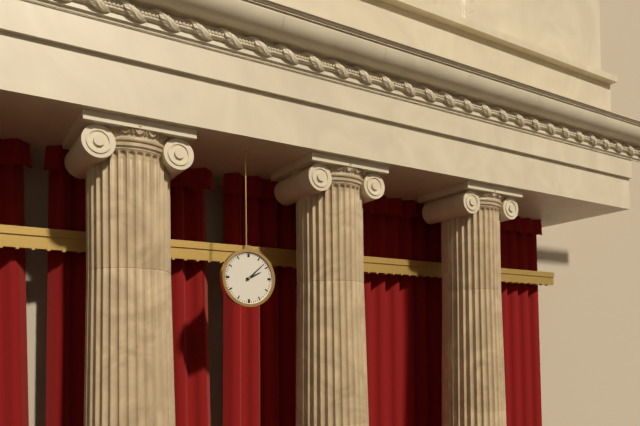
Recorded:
2,08
